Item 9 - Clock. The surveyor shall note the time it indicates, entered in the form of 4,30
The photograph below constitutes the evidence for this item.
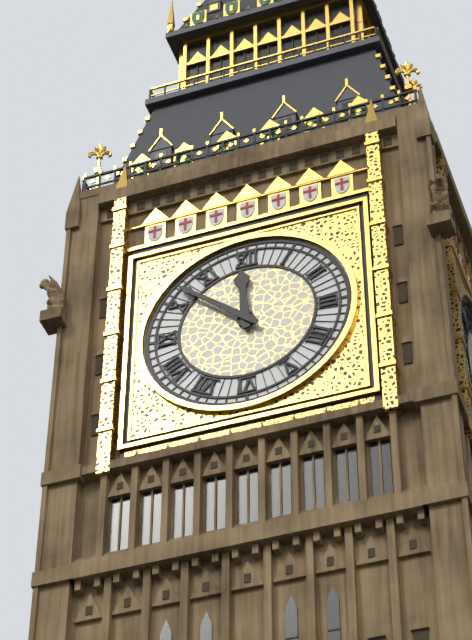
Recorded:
11,52
